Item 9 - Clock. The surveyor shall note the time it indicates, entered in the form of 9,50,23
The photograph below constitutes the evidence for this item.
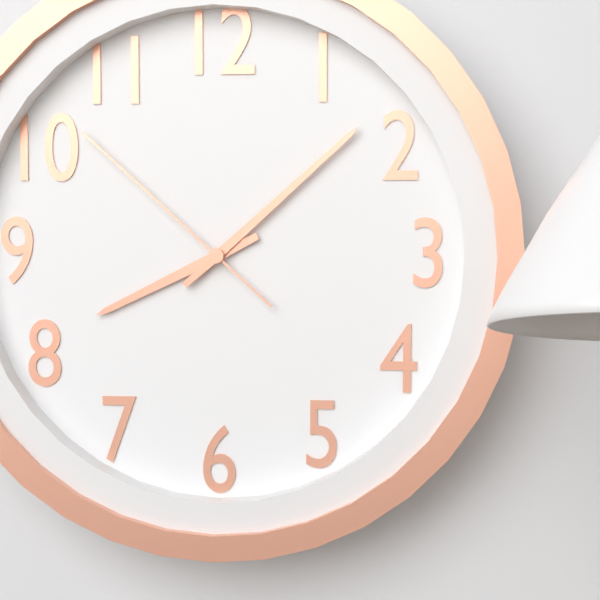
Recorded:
8,08,52
